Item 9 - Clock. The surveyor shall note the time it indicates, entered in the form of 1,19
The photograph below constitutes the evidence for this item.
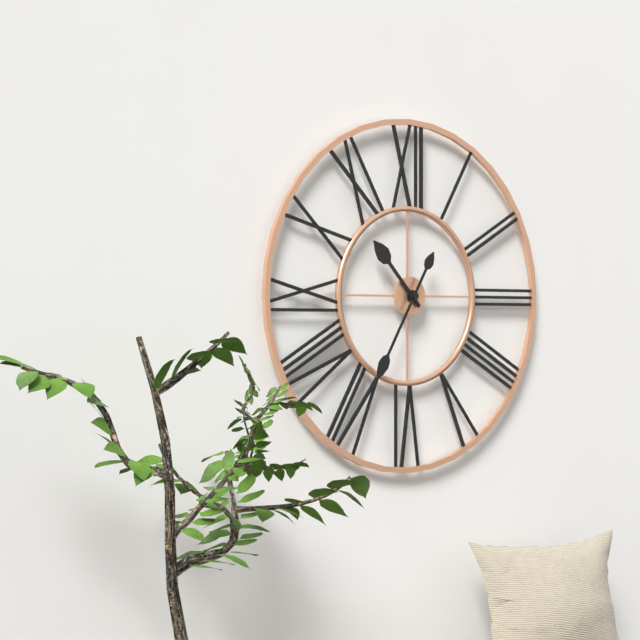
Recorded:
10,35
